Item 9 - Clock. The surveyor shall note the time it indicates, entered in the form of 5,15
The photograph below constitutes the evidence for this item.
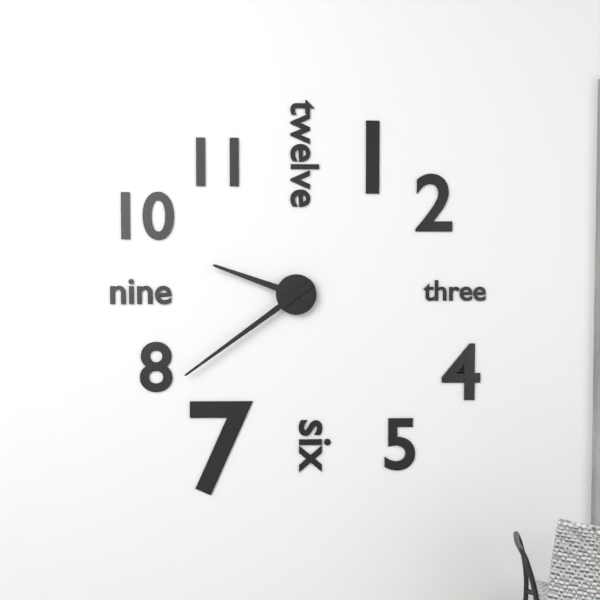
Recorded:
9,39
